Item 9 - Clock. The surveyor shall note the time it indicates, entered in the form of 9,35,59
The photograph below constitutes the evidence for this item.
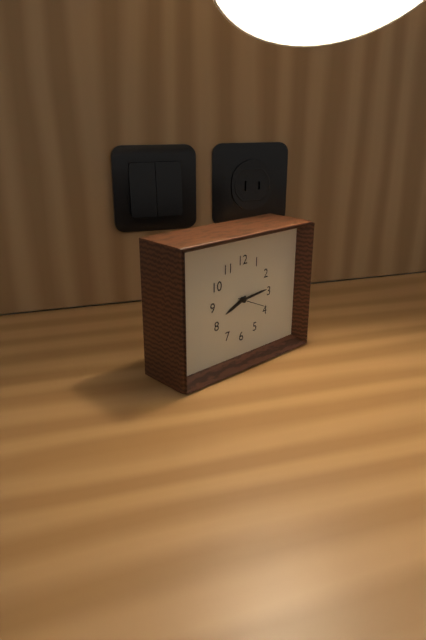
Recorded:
8,14,19
